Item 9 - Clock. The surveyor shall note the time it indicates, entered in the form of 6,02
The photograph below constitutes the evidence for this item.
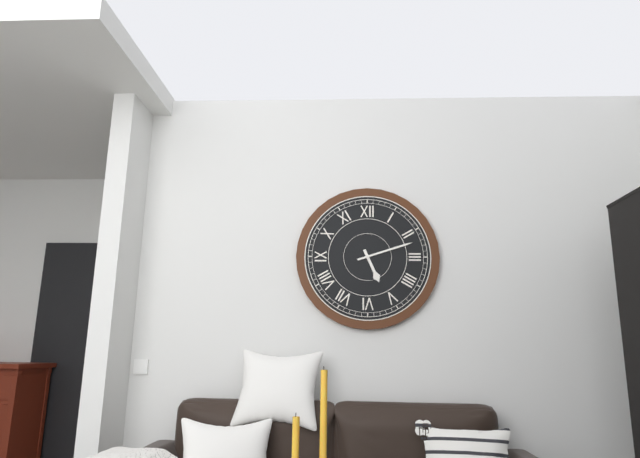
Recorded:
5,12
